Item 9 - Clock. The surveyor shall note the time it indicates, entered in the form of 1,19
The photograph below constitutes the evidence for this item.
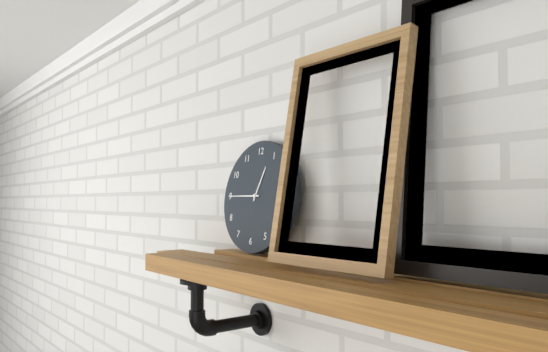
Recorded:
12,45
